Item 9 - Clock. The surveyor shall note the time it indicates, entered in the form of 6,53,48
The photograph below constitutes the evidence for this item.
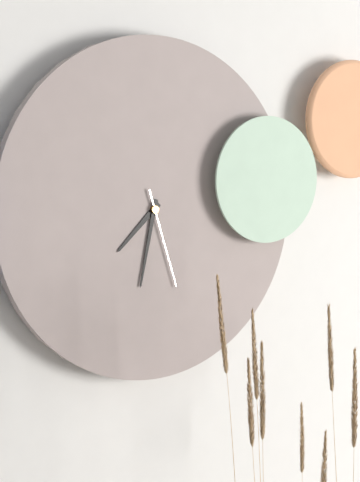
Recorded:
7,32,27
